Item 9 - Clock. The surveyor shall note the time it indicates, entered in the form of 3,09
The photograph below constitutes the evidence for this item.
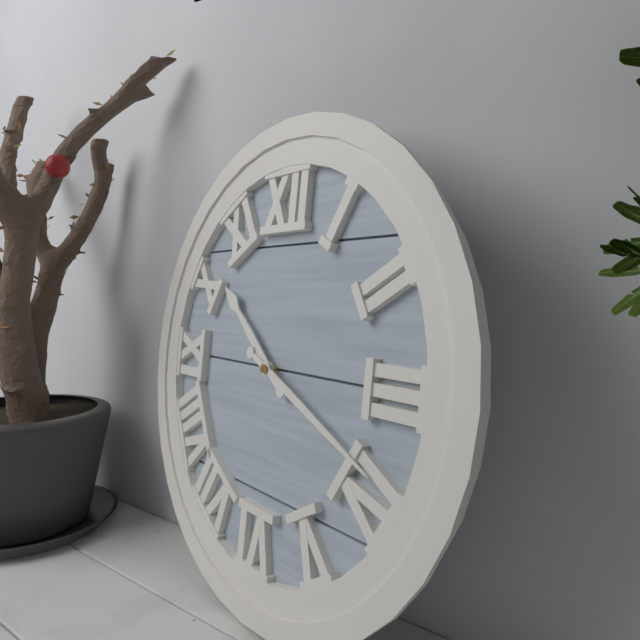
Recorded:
10,19
